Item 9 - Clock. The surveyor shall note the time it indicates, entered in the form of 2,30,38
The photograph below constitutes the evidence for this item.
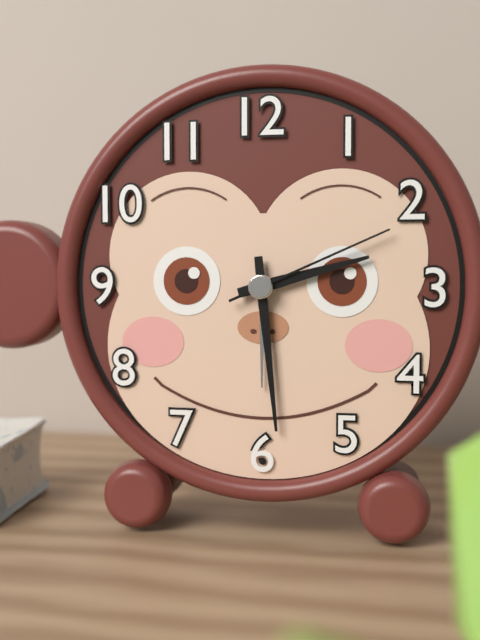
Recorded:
2,29,11
